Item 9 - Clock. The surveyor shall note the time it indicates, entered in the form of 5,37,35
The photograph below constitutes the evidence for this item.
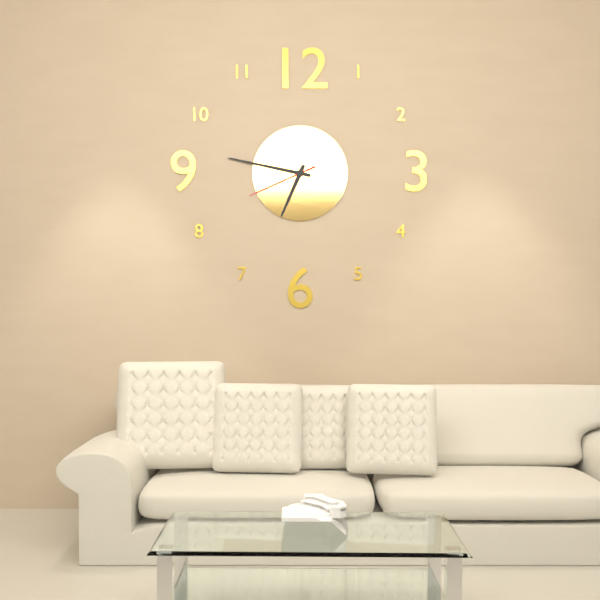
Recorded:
6,47,41
